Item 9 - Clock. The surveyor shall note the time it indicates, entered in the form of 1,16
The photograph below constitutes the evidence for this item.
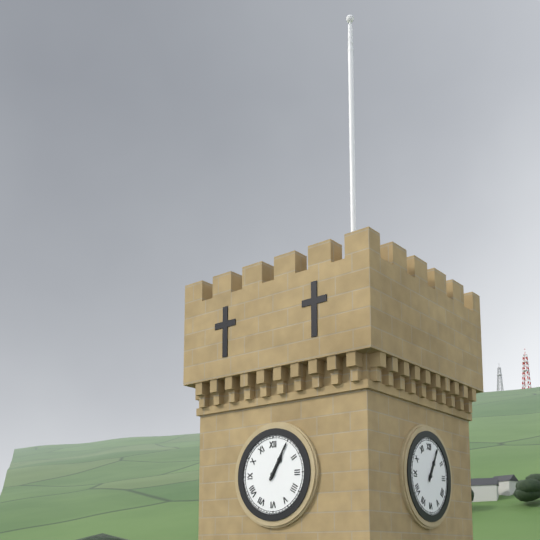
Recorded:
1,05
